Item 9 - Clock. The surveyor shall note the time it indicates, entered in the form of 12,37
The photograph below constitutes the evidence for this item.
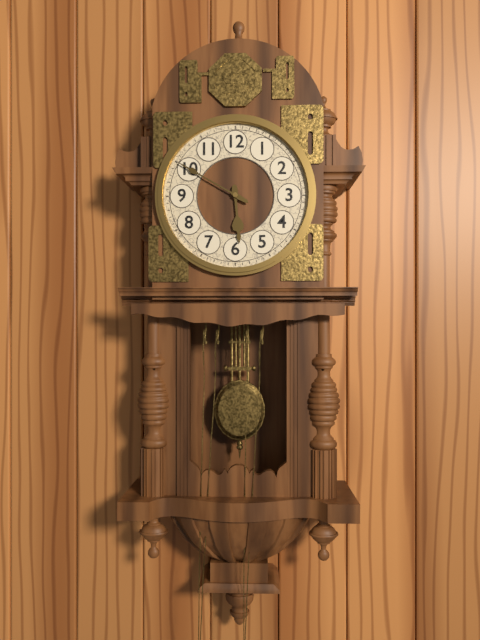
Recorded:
5,50
